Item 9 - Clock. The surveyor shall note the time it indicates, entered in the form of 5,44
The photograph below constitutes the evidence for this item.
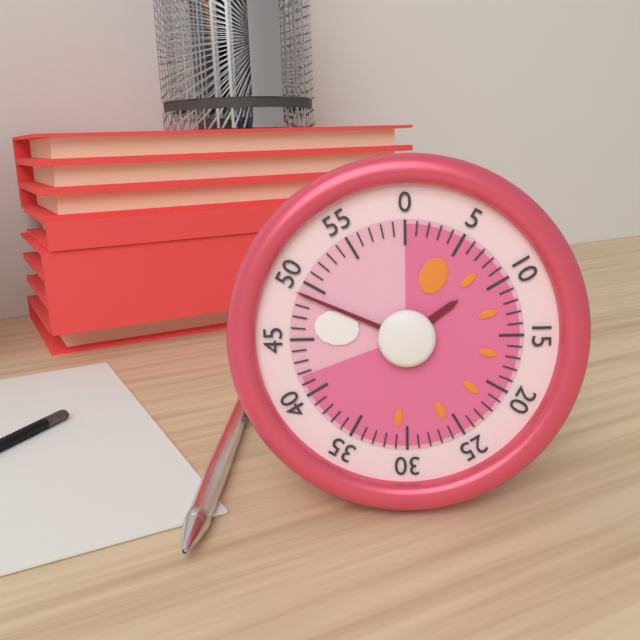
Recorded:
1,49
